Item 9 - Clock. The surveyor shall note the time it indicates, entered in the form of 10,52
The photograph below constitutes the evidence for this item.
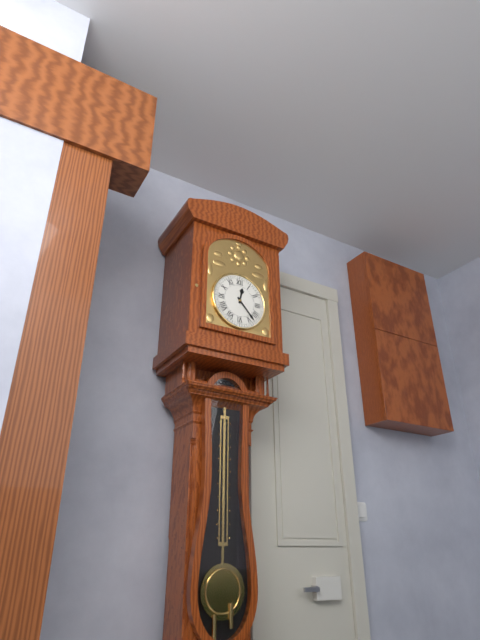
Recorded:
12,23
